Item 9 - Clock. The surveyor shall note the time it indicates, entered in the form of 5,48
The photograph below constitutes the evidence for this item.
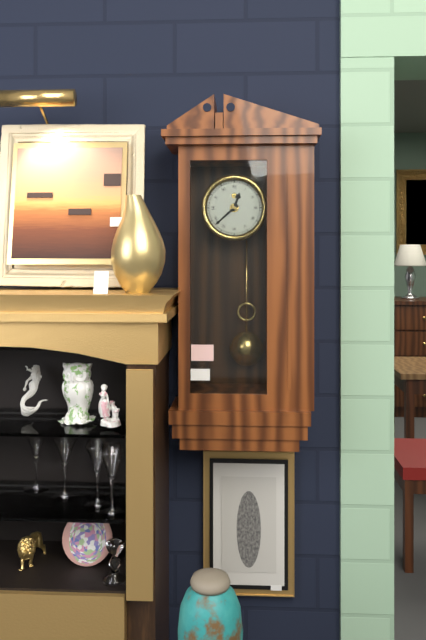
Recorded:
12,38
